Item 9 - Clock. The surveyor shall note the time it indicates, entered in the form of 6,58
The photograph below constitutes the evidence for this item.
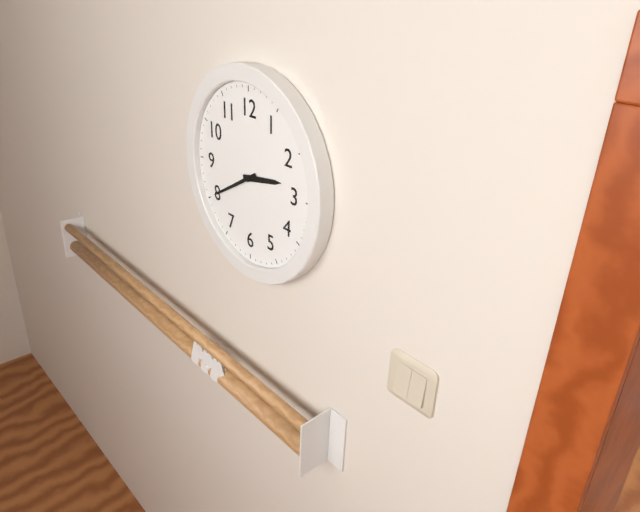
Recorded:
2,40
